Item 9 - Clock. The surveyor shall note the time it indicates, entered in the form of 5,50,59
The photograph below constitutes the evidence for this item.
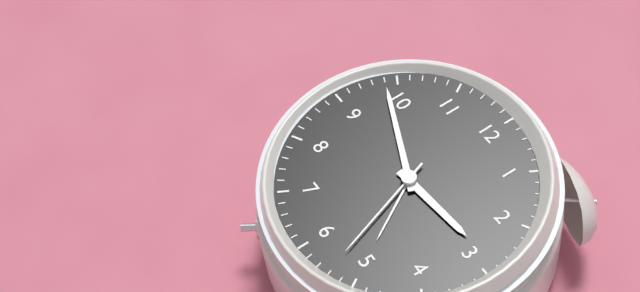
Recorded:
2,49,27
